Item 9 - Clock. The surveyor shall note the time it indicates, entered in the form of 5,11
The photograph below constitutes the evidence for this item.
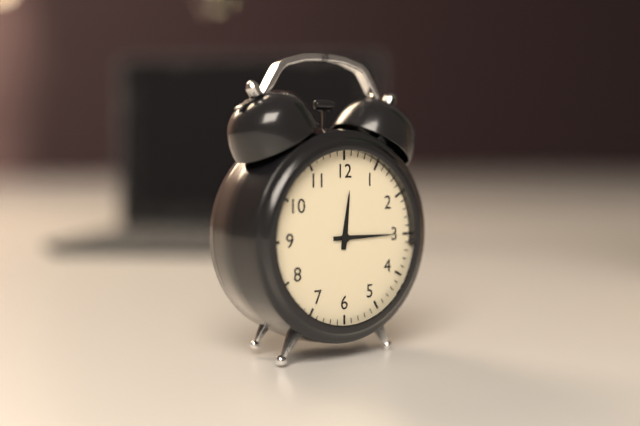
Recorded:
12,15
